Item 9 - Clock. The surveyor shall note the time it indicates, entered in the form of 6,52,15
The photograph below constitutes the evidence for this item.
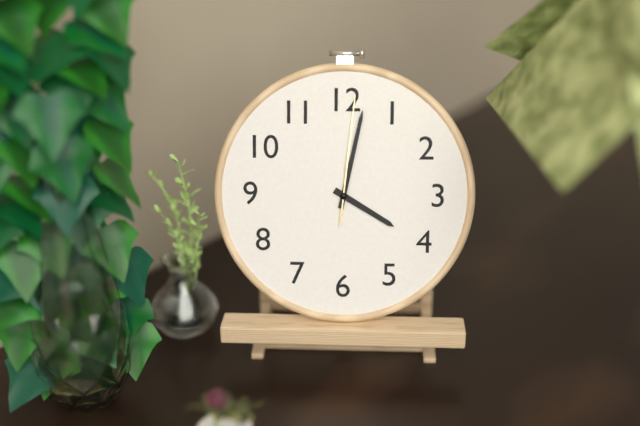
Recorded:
4,02,01
